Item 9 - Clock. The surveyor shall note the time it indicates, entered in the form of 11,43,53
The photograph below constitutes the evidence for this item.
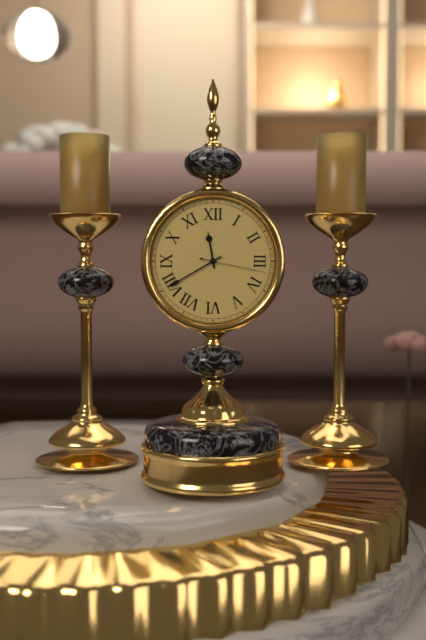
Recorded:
11,40,17
